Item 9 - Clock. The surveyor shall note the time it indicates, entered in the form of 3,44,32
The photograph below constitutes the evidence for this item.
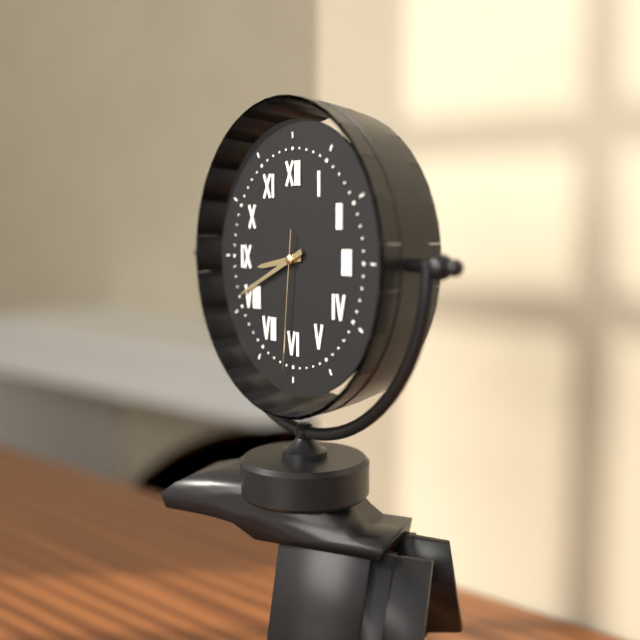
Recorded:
8,41,31
